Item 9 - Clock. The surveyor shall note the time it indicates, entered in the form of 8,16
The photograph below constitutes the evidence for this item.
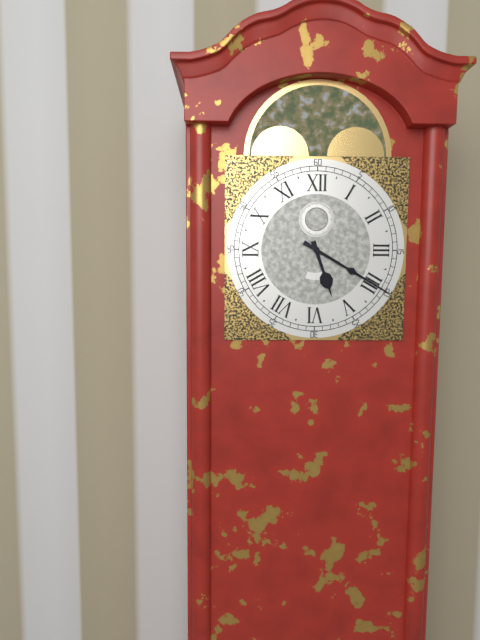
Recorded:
5,20
